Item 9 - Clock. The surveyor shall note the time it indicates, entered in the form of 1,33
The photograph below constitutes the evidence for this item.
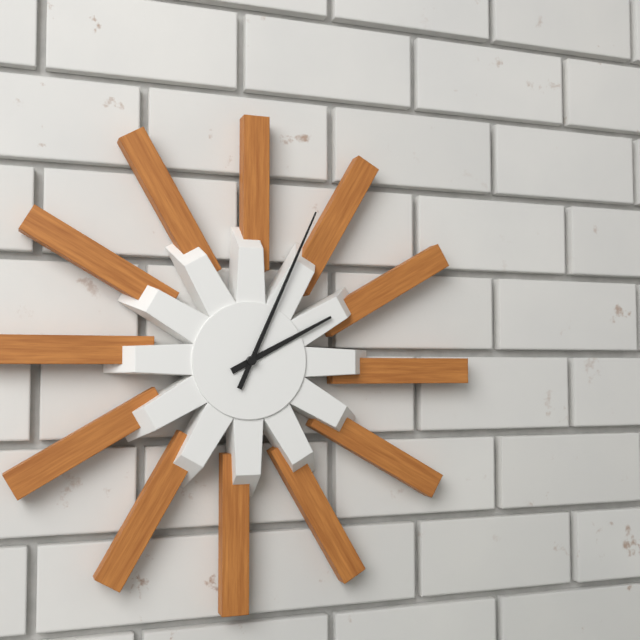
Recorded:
2,04
